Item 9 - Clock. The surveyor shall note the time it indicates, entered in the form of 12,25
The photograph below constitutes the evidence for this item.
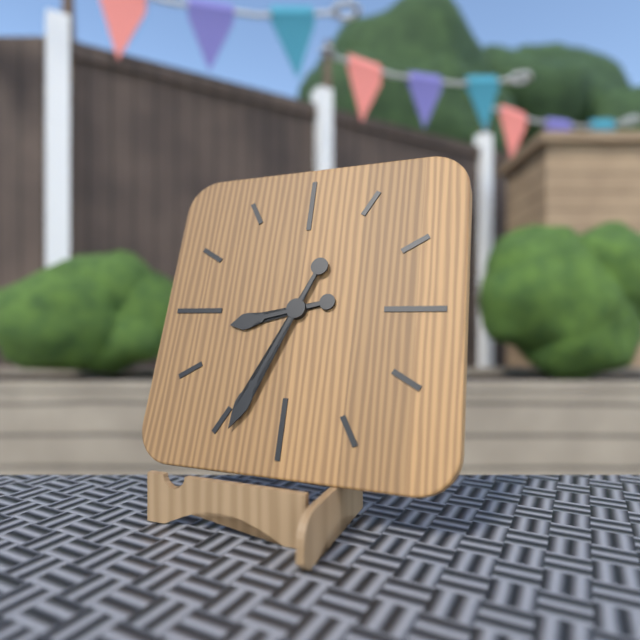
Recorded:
8,34
